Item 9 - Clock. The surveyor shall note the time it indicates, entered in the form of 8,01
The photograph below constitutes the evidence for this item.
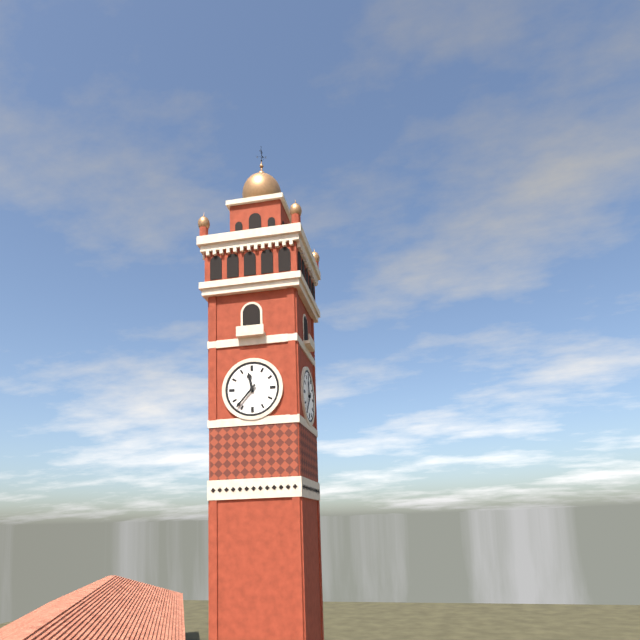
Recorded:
11,37
